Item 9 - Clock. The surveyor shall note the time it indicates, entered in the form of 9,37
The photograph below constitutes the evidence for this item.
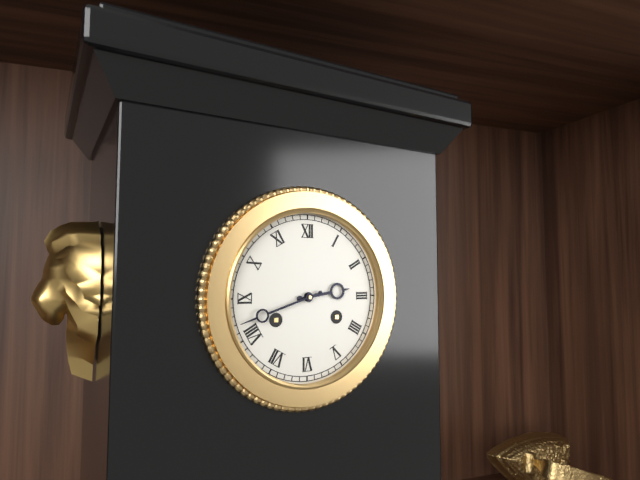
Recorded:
2,42
